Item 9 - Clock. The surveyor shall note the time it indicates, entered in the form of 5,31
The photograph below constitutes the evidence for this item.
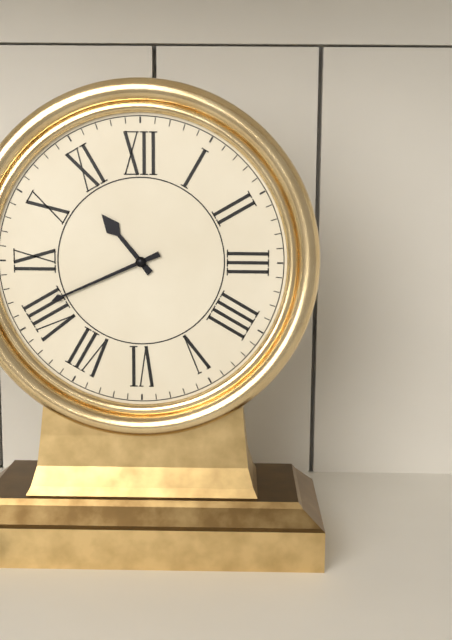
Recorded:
10,41
